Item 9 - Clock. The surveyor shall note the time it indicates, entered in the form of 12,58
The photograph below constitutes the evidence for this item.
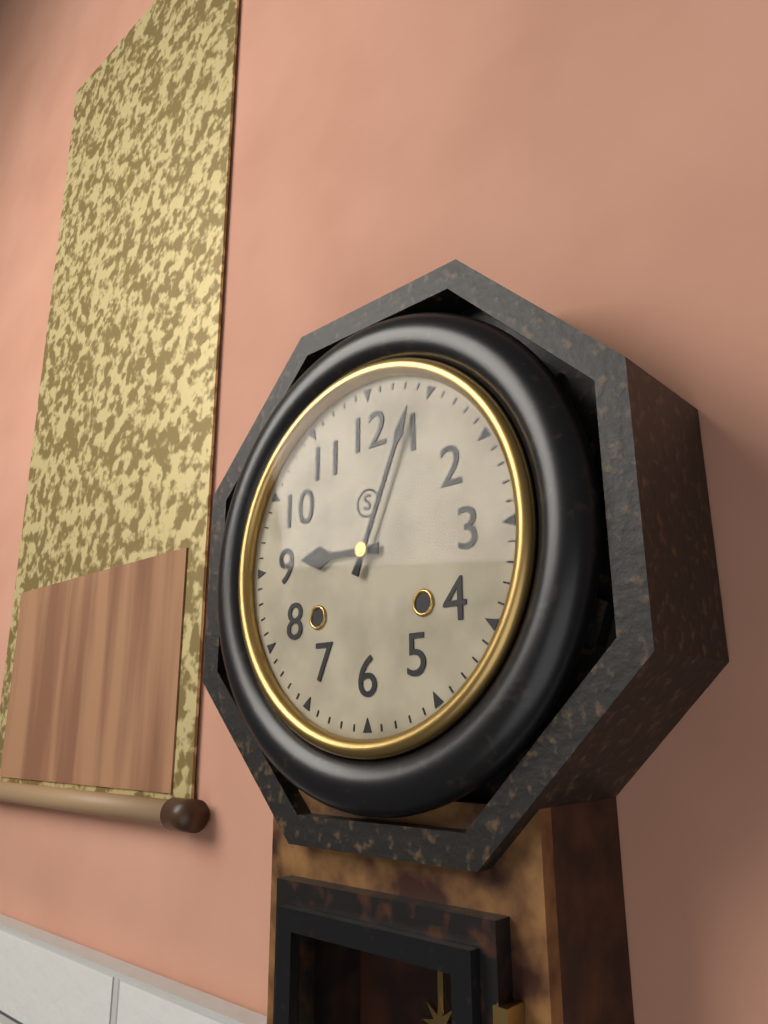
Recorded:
9,04
